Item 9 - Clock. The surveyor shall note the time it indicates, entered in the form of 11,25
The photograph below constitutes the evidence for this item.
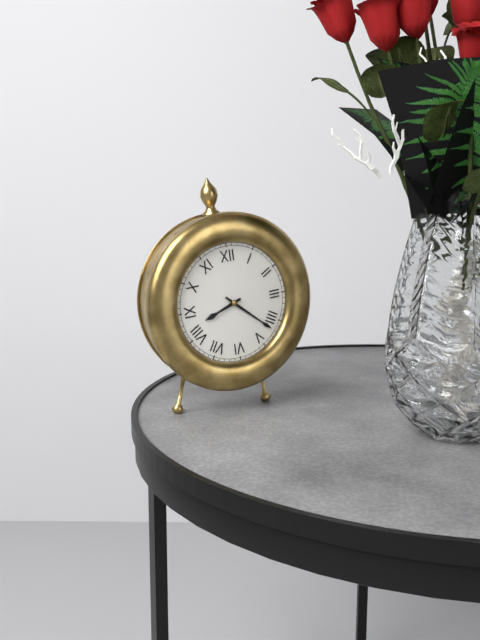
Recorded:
8,22
